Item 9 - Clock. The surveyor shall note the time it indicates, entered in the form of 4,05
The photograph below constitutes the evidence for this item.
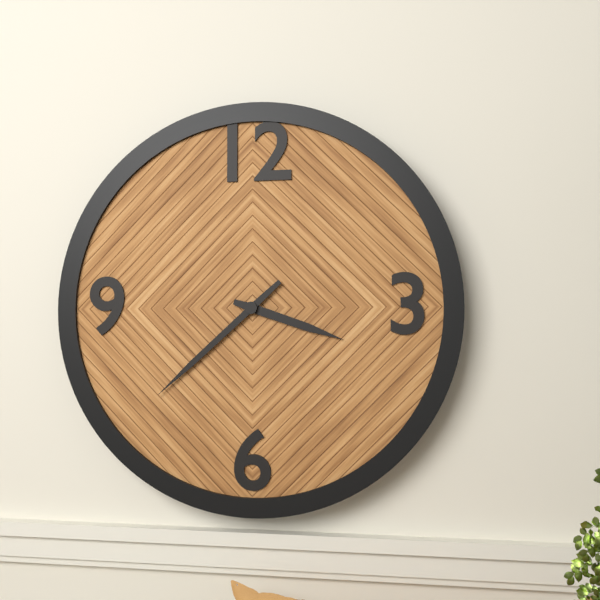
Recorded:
3,38
